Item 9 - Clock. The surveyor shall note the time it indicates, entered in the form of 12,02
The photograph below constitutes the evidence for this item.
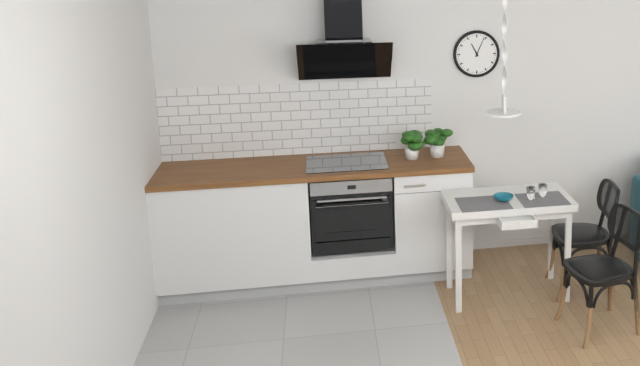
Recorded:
11,04
